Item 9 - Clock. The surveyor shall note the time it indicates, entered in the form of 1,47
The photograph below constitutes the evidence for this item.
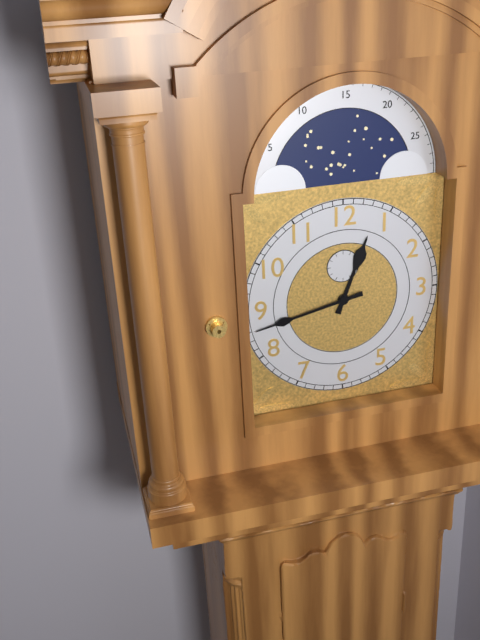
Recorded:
12,43
